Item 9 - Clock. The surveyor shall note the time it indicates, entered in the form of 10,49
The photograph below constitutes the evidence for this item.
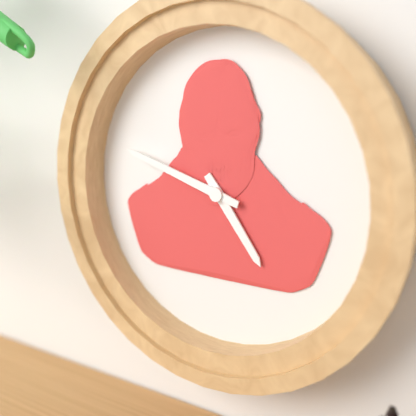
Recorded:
4,48
